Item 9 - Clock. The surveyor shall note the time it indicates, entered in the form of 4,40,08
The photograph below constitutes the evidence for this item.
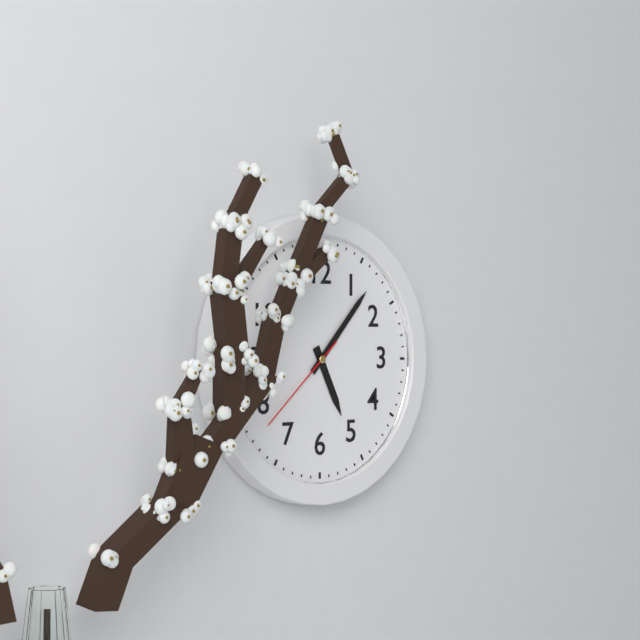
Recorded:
5,07,38
